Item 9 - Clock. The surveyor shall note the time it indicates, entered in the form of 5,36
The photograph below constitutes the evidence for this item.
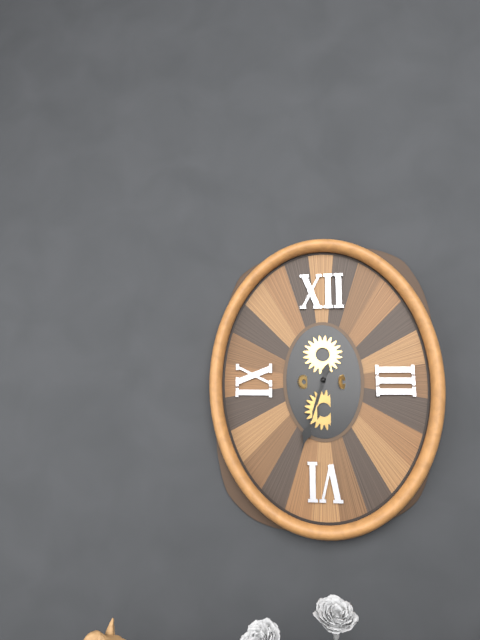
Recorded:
6,33
